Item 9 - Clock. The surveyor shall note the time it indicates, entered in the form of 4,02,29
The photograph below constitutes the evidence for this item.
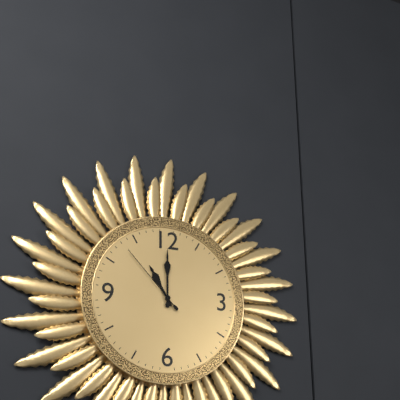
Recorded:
11,00,53
